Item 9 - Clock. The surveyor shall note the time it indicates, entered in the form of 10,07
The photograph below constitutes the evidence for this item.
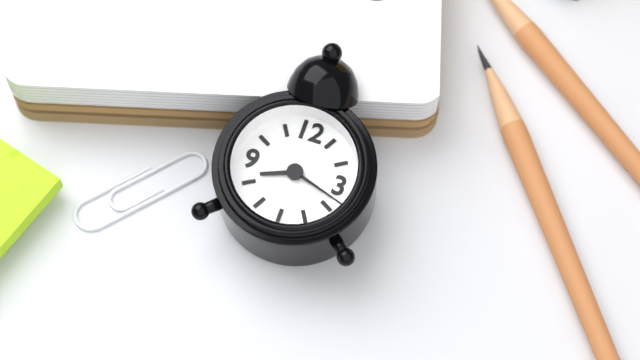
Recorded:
8,18
